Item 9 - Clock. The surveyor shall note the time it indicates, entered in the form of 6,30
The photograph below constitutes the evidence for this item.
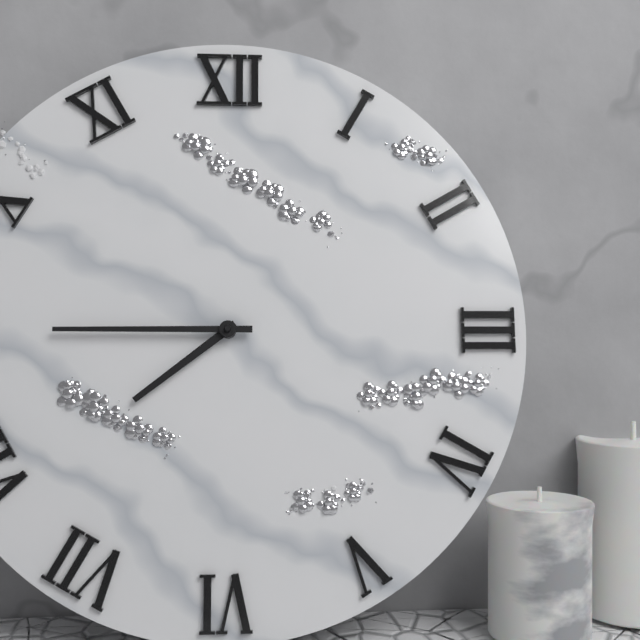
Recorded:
7,45
